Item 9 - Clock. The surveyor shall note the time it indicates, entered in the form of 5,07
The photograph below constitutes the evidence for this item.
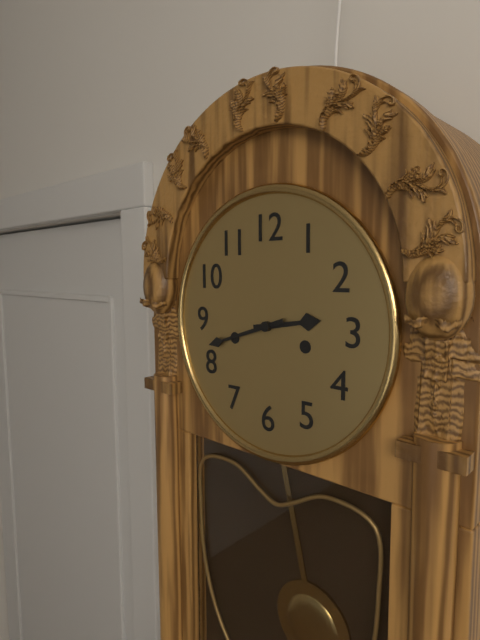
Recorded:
2,42
